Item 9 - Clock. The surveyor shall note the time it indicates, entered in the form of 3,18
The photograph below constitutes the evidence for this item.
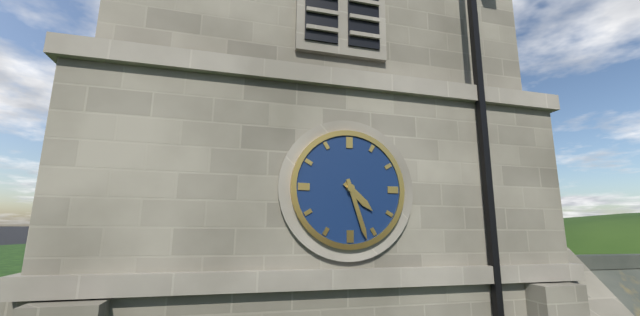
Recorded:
4,27
